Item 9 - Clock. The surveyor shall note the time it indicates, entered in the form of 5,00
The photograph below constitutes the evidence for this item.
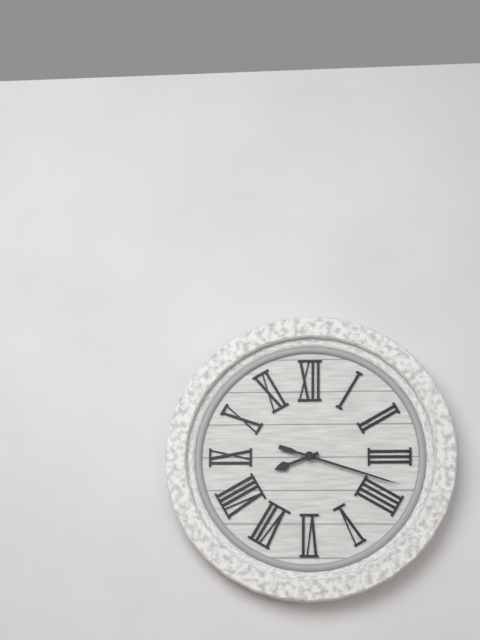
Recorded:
8,18
